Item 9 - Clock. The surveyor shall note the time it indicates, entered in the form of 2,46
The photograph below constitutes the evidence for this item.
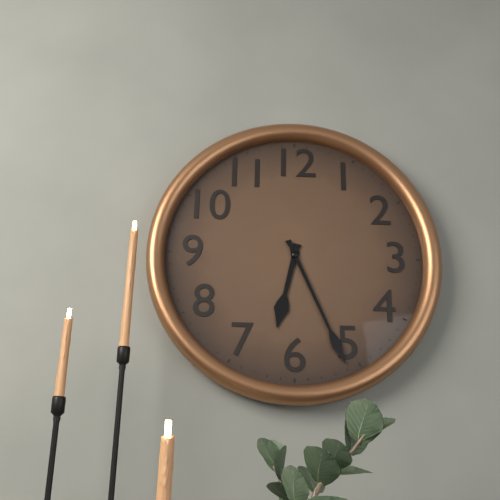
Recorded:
6,26
